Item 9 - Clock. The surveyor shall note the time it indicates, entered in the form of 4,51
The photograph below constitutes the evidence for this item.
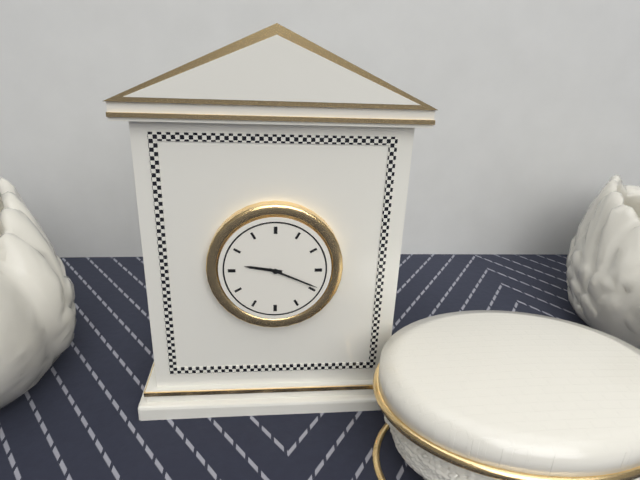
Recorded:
9,19
